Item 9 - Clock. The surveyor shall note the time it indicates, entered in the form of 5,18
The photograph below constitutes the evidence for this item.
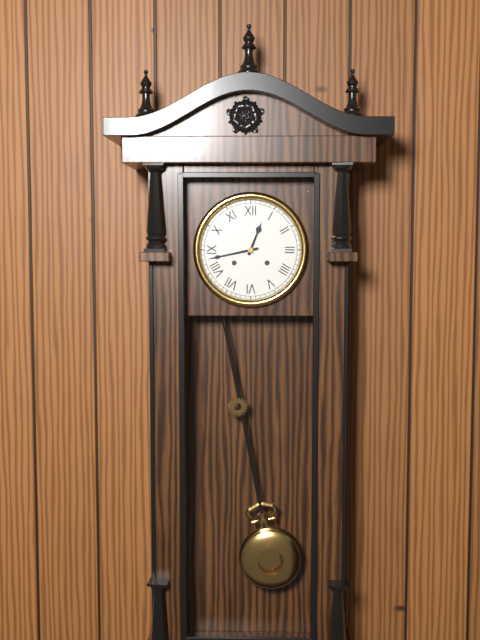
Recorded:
12,43
